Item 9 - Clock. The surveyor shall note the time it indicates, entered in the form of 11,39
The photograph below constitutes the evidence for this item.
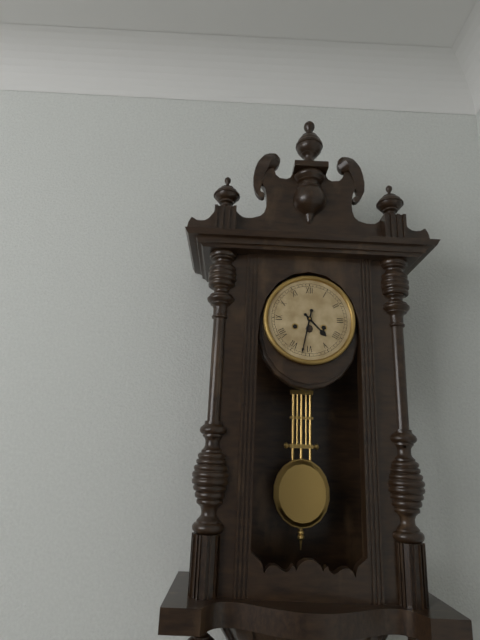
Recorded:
4,32
